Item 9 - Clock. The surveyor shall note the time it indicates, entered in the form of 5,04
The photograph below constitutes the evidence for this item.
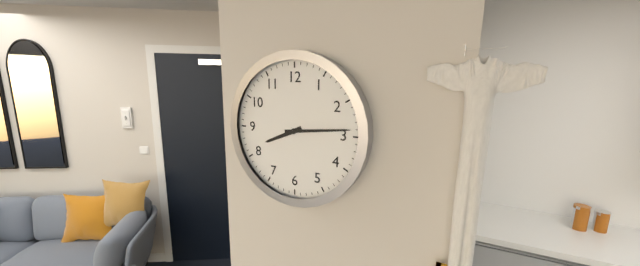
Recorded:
8,14
